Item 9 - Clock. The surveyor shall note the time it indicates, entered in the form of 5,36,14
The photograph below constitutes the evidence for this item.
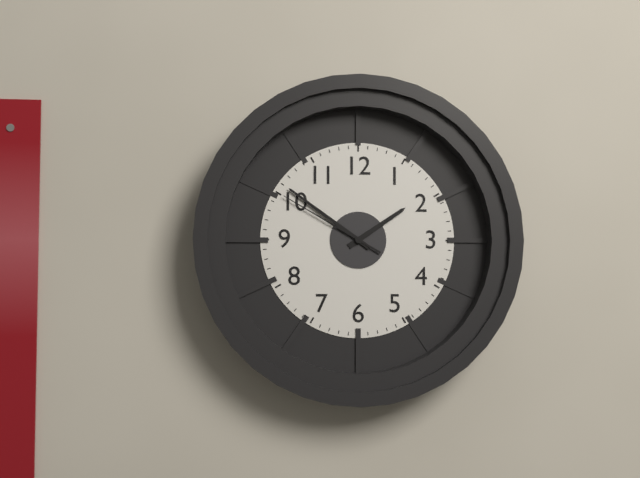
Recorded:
1,51,50
